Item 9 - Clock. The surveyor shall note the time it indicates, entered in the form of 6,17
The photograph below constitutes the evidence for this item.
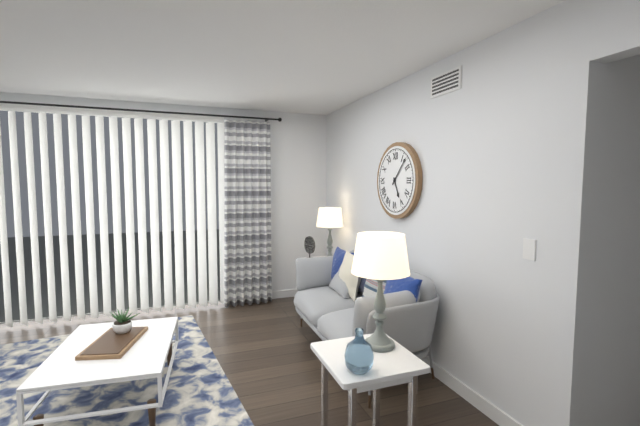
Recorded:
5,07
